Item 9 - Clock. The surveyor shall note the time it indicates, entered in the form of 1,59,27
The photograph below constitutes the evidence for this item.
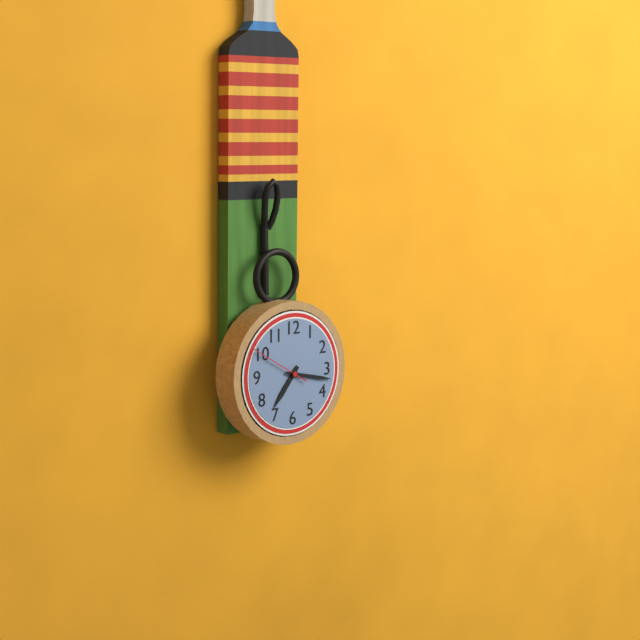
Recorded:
7,17,50
